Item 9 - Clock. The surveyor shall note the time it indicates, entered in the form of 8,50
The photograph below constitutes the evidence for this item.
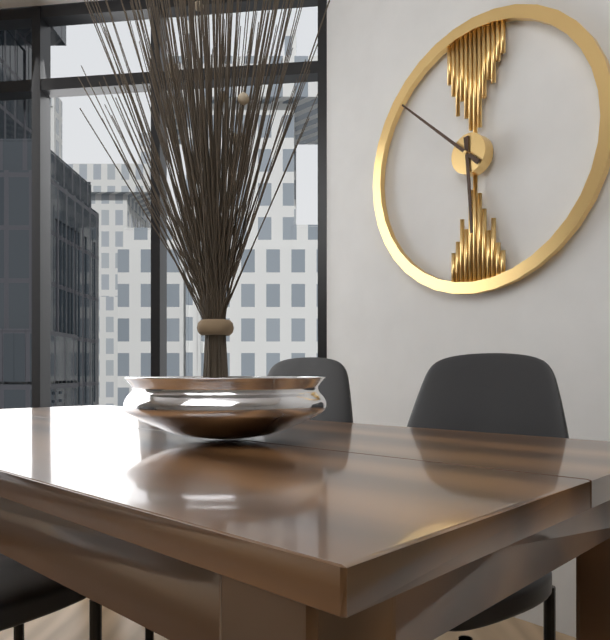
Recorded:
5,52
